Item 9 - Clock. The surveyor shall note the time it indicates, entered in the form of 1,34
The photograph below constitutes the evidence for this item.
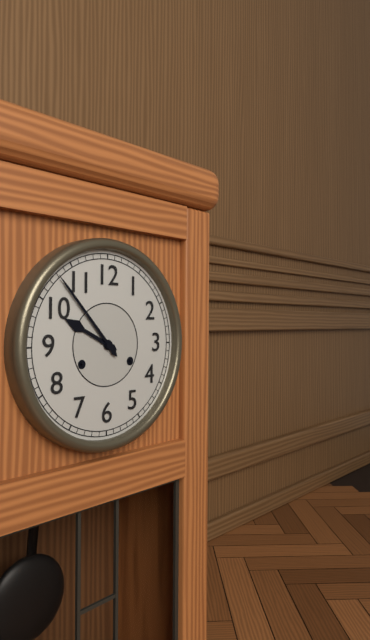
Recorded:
9,53
